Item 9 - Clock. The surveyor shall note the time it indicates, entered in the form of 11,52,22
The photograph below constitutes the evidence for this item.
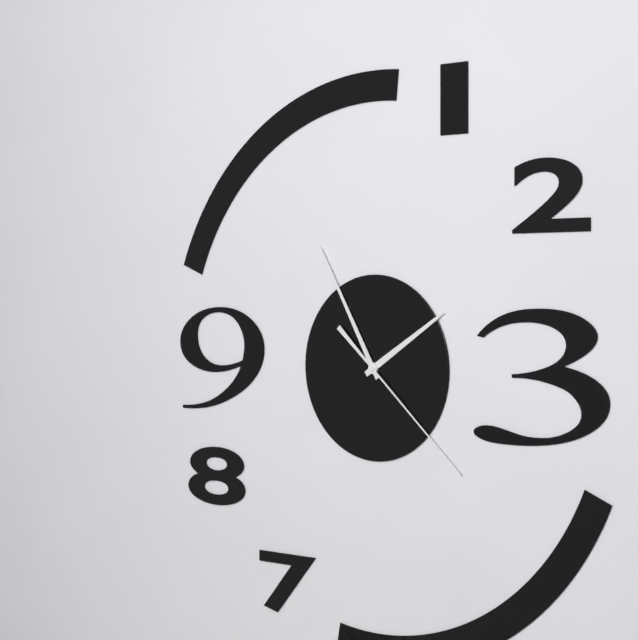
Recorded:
1,55,22
